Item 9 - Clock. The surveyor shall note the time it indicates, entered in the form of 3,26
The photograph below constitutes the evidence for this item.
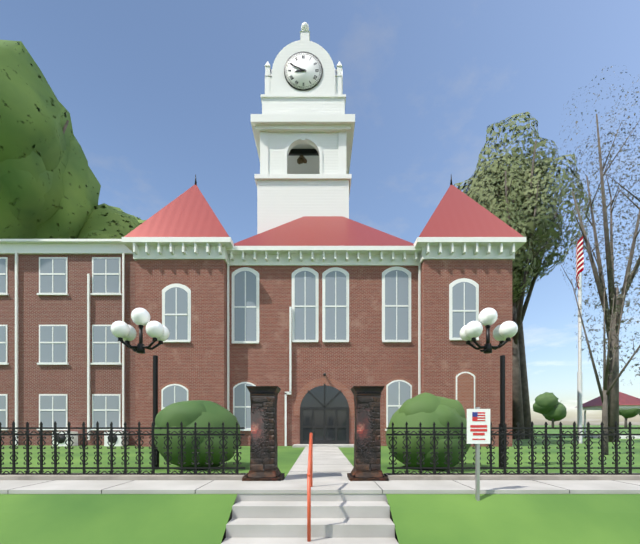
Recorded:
8,49
